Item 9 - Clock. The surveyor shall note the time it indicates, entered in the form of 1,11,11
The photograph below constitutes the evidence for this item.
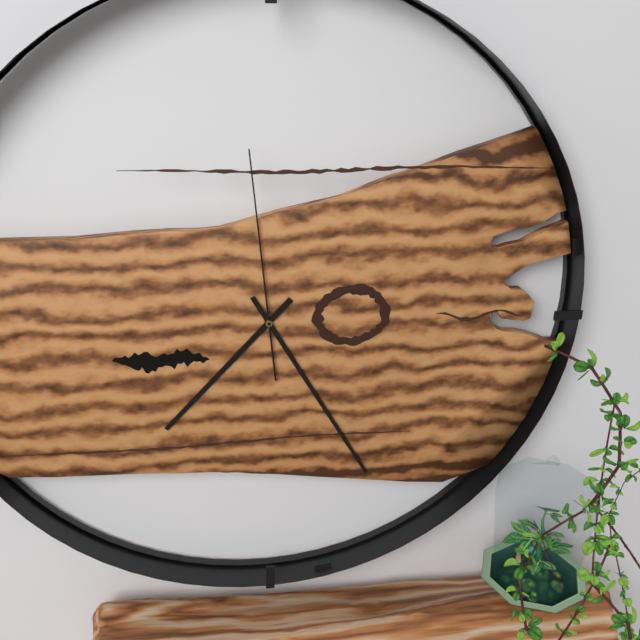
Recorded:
7,25,59
